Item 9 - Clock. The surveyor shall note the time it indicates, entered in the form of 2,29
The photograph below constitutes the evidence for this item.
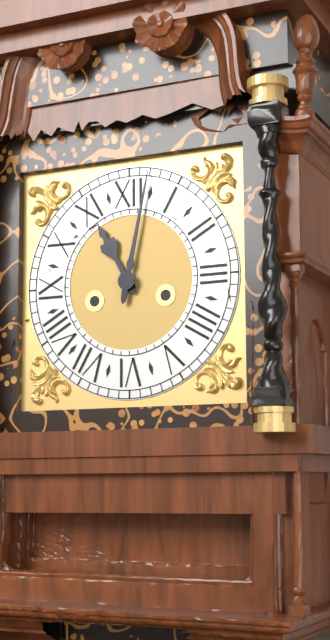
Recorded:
11,02
